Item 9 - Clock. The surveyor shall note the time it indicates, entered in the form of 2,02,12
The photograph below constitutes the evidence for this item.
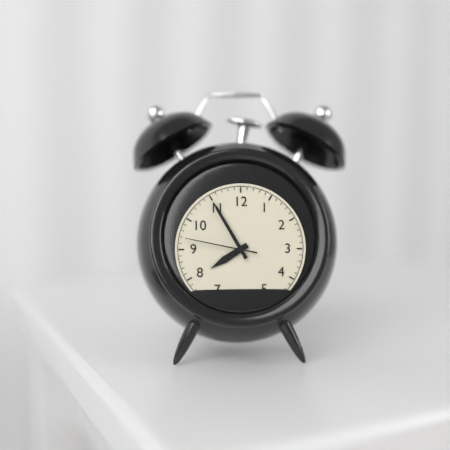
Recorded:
7,55,47
